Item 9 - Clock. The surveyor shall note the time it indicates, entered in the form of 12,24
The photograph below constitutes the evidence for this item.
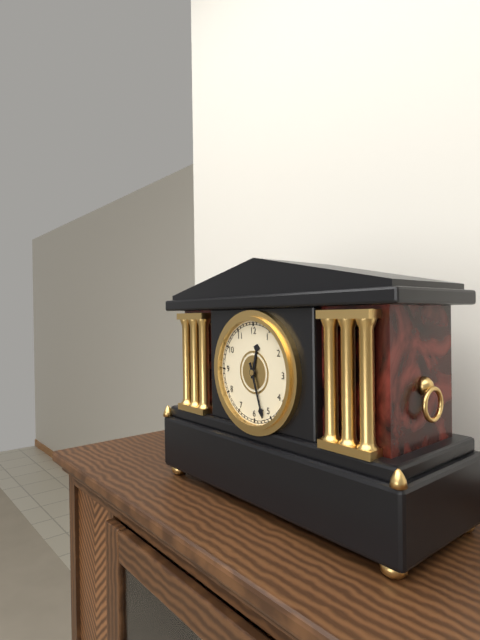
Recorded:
12,27
